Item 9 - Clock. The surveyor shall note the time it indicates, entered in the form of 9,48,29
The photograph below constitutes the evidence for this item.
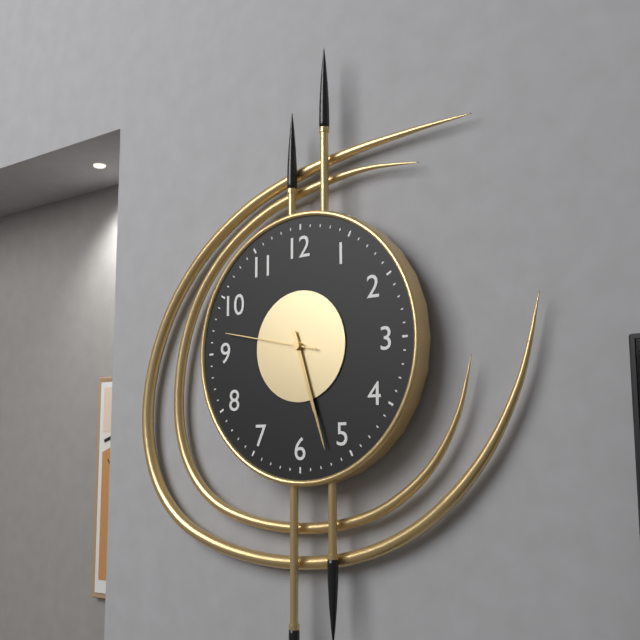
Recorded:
5,27,47
